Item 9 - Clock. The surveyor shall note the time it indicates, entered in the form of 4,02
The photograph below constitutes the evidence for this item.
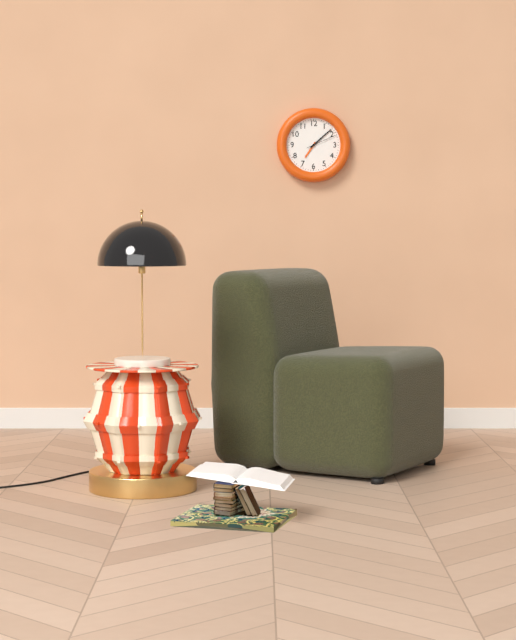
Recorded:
7,08
